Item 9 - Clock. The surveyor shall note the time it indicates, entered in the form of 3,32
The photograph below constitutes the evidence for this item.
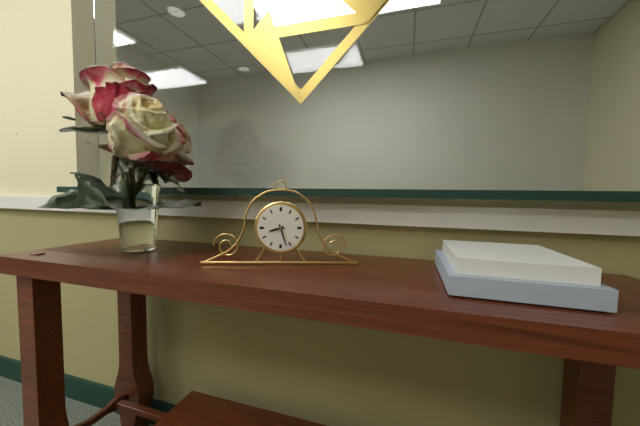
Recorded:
8,27
